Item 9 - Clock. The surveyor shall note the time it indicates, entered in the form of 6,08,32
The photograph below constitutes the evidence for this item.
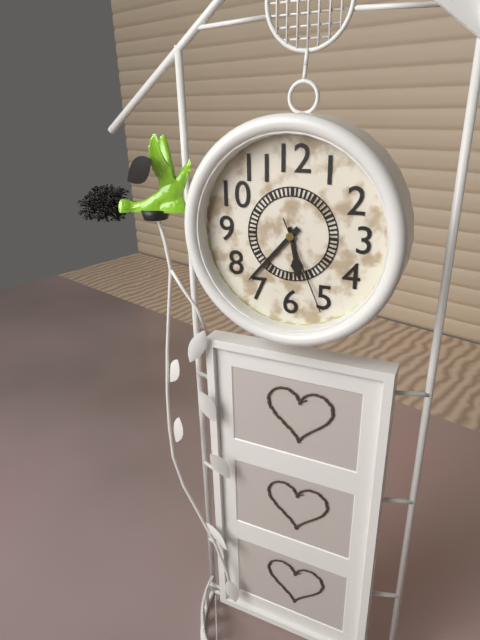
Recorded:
5,37,26
